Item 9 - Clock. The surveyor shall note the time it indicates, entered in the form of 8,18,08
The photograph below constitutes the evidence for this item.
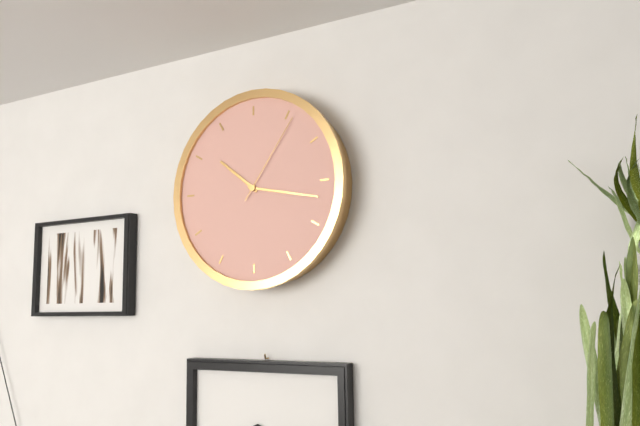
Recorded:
10,17,06
